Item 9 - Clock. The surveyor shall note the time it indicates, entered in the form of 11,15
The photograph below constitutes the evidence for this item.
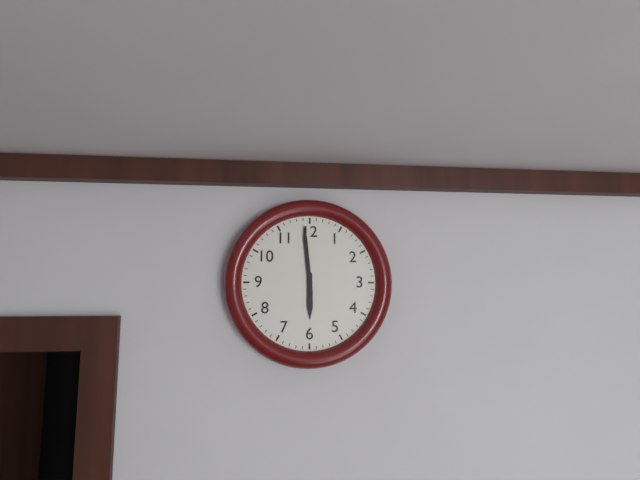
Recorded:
5,59
